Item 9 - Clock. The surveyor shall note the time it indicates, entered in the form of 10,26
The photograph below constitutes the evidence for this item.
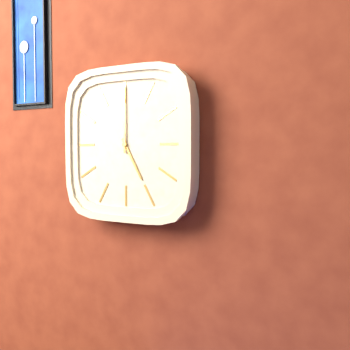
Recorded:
5,00
